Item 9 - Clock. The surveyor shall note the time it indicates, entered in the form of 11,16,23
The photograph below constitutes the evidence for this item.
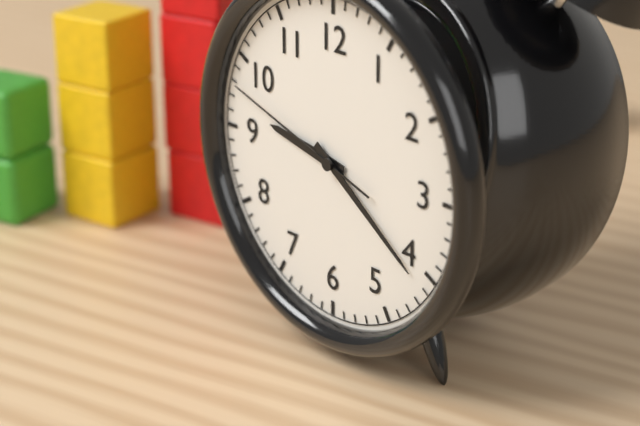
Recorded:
9,21,48
